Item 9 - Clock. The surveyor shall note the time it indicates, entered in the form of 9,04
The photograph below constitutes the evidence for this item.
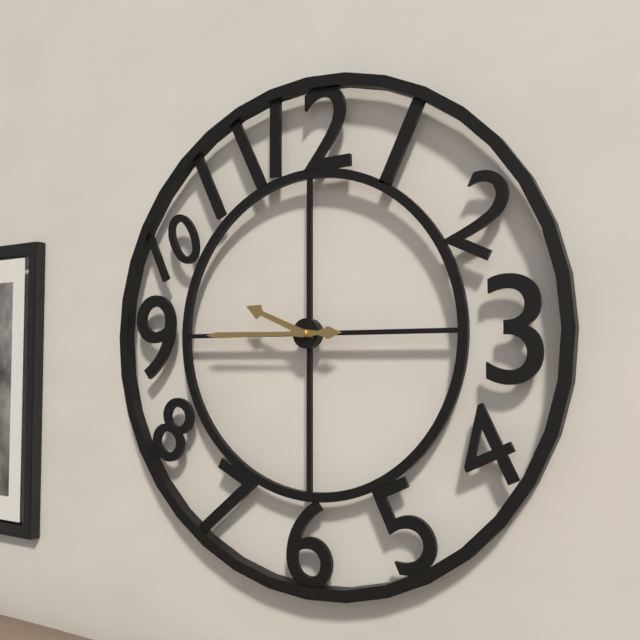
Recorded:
9,45
